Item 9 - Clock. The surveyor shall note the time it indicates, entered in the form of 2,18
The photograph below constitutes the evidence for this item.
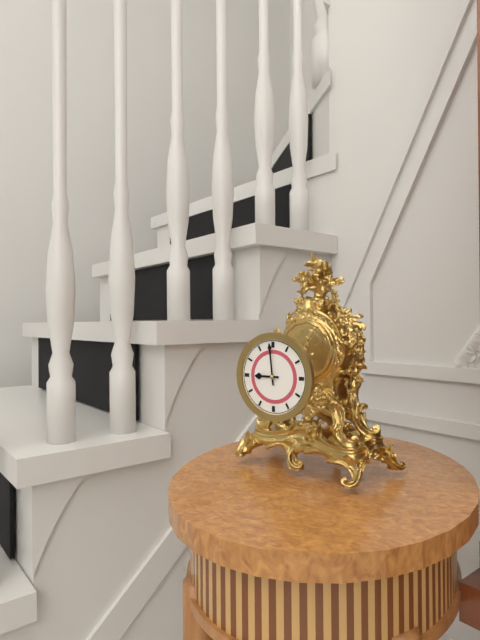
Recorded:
8,59
